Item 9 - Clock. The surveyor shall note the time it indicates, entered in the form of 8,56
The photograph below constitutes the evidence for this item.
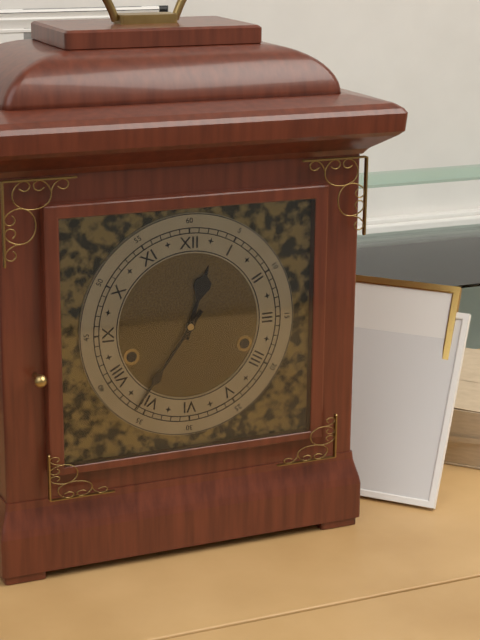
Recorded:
12,36
